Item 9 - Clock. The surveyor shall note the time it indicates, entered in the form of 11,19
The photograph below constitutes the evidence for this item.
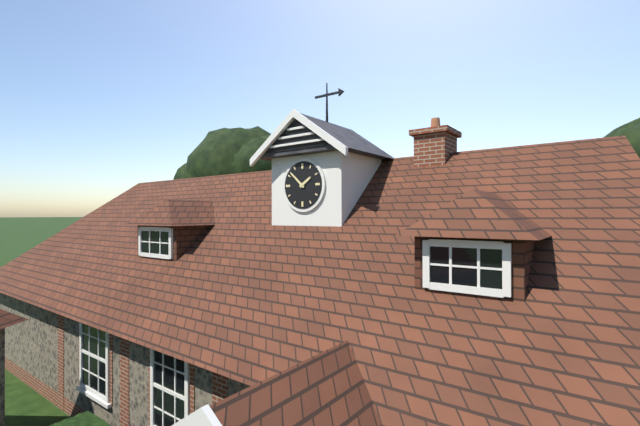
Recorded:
1,52
